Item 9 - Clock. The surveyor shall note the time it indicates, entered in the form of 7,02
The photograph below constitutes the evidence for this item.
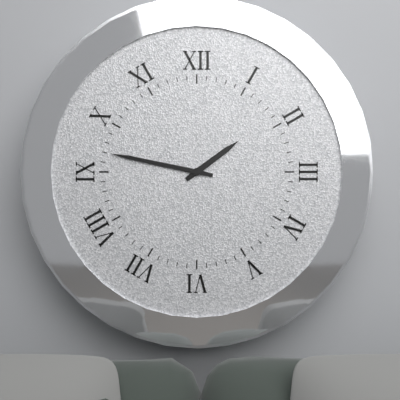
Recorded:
1,47
